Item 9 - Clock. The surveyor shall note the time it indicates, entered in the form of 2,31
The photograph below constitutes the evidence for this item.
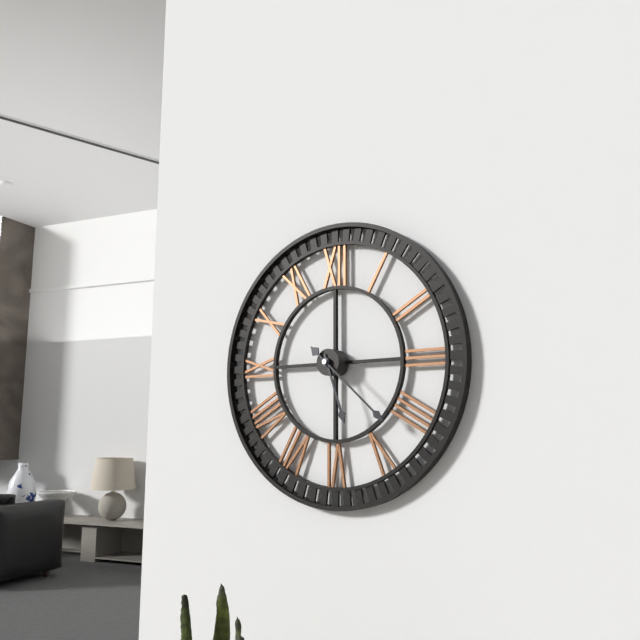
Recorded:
5,22
